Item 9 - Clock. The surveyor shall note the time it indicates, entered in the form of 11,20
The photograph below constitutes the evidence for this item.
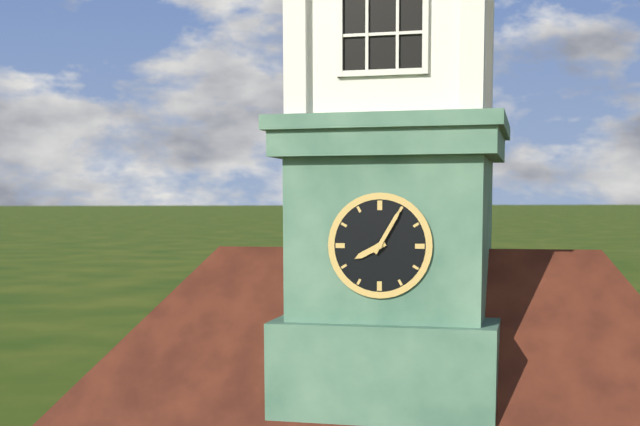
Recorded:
8,05
